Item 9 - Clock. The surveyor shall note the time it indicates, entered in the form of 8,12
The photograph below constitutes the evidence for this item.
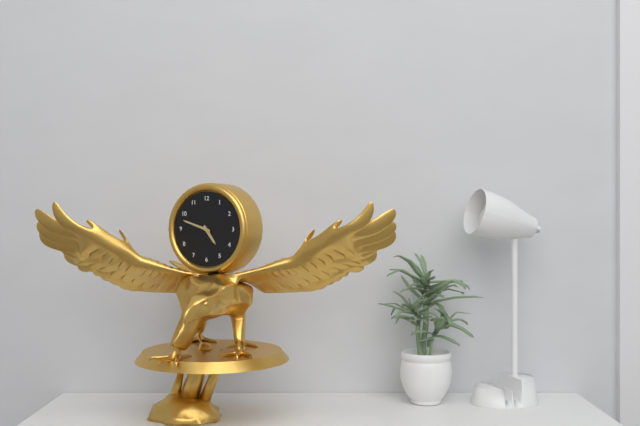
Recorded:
4,48
